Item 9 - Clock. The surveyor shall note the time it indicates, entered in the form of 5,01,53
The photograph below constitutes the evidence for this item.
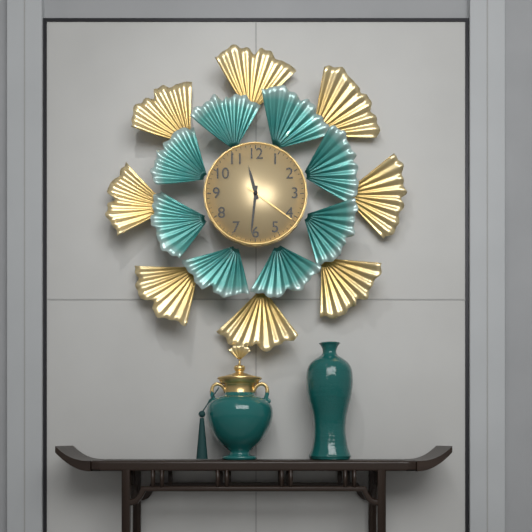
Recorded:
11,31,21
